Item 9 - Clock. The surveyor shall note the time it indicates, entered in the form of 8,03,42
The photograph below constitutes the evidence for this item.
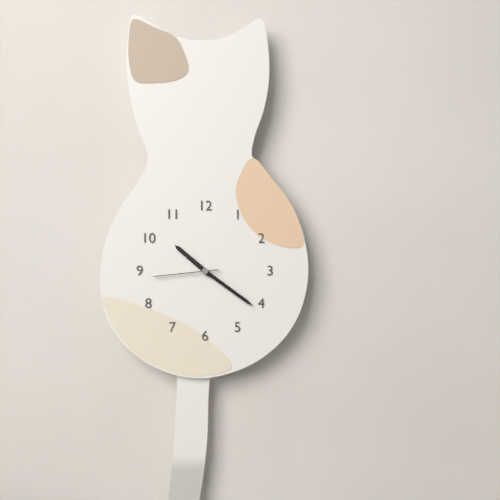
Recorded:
10,21,44
